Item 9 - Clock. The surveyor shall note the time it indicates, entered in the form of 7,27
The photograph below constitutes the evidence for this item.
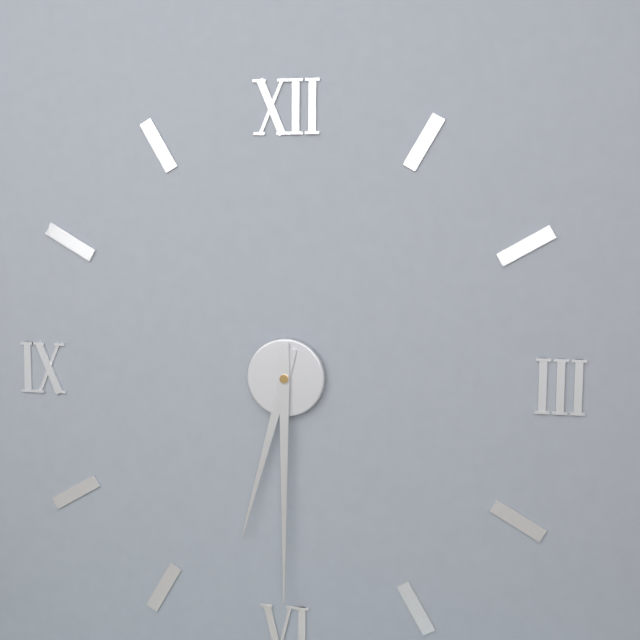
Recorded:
6,30
